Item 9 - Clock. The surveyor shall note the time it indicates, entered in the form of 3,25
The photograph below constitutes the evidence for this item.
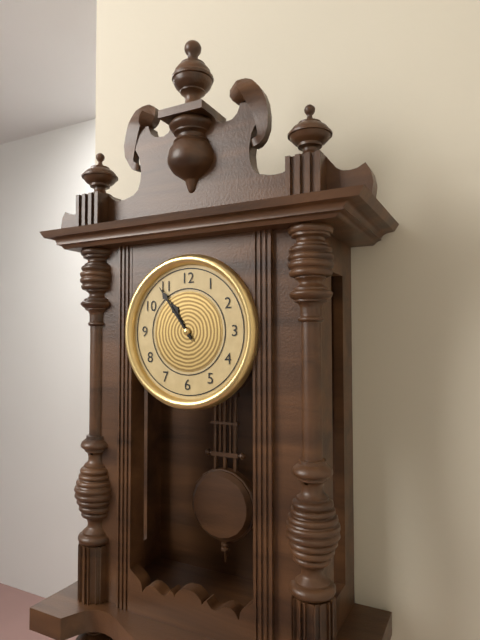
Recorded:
10,54
